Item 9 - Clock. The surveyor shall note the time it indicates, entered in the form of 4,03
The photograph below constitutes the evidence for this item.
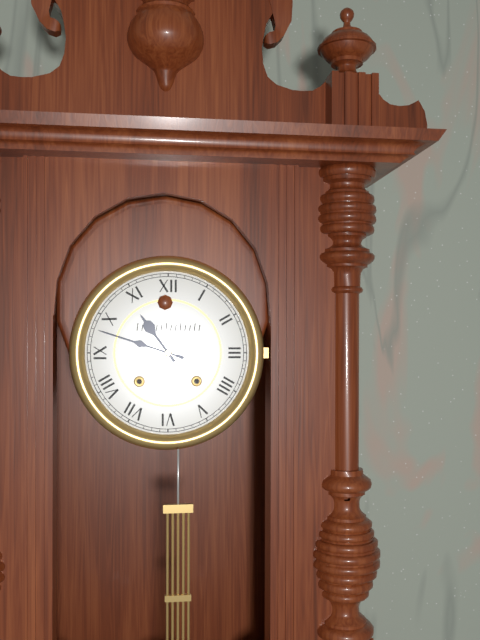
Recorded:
10,48
